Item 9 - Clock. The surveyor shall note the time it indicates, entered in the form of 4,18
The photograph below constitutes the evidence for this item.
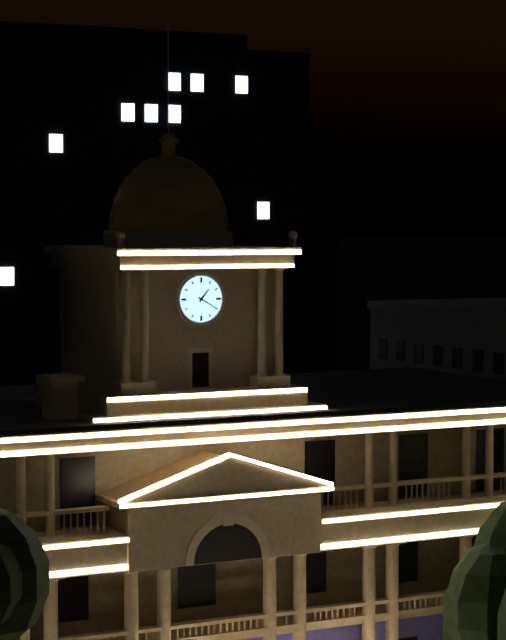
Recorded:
1,20
